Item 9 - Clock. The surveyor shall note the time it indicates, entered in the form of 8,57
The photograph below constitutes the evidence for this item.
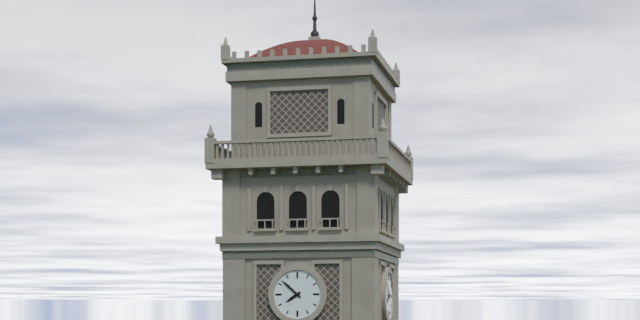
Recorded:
7,52
